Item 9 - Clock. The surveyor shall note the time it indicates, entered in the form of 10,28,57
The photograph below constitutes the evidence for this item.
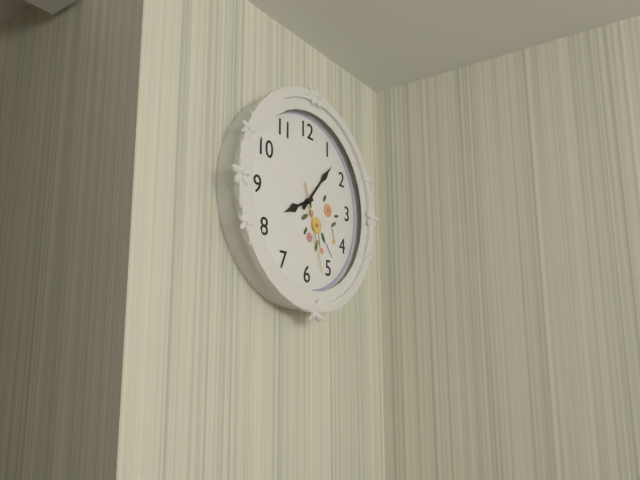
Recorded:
8,07,27
